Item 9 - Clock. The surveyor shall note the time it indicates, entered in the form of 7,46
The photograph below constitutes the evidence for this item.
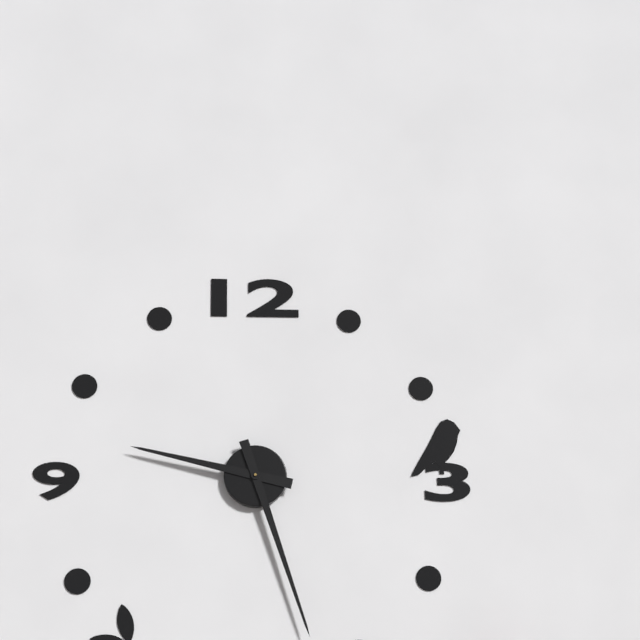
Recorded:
9,27
